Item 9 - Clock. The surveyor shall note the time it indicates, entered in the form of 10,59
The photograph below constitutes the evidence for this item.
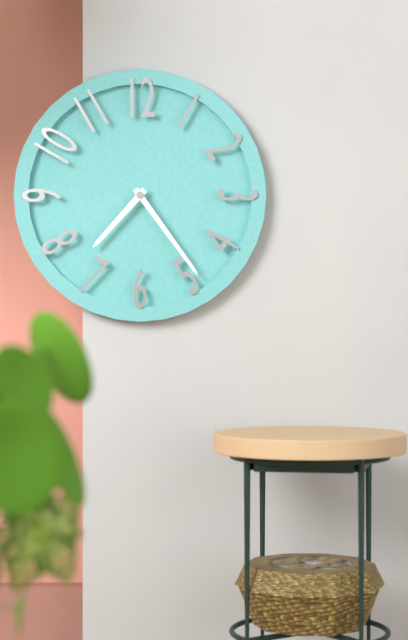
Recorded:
7,24
